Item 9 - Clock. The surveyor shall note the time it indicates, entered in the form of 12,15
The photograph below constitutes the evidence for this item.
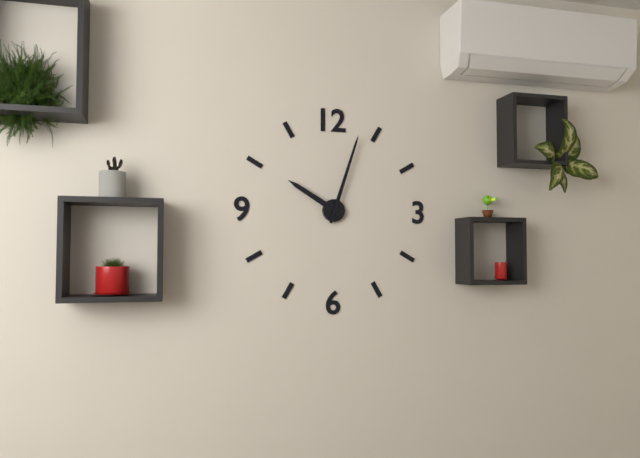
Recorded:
10,03
